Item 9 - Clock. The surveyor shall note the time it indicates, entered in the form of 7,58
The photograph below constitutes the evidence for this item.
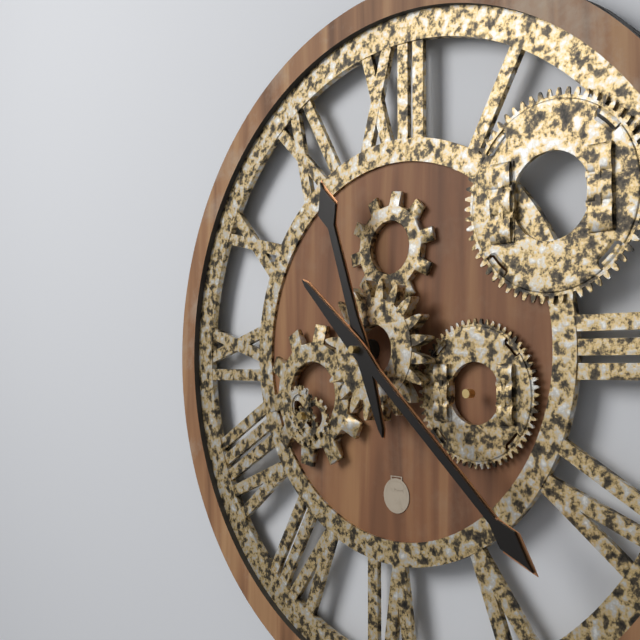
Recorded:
11,22
